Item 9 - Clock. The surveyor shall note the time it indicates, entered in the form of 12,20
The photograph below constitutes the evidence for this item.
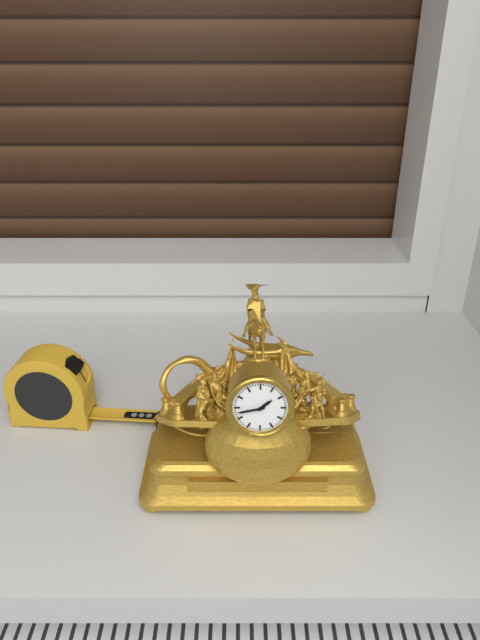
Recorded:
1,43
